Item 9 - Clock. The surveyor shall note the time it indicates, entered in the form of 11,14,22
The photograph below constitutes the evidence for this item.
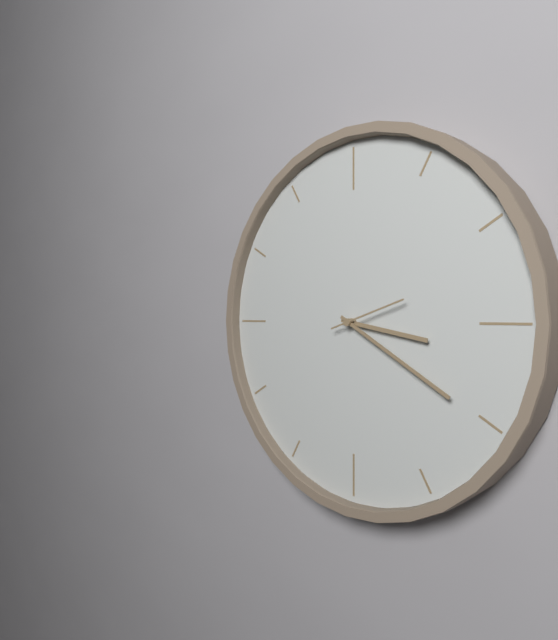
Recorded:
3,20,12
